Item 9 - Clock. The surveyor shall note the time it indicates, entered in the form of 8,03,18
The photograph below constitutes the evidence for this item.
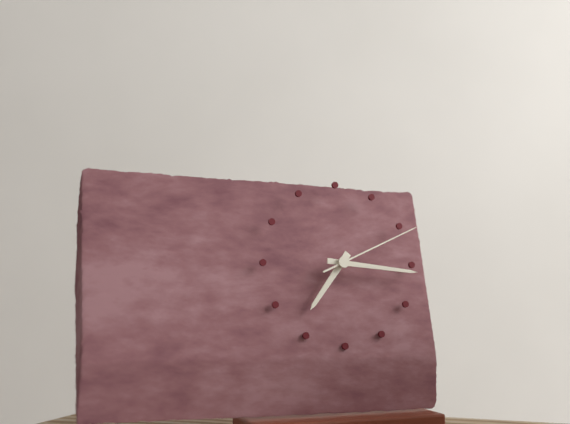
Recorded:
7,16,11
